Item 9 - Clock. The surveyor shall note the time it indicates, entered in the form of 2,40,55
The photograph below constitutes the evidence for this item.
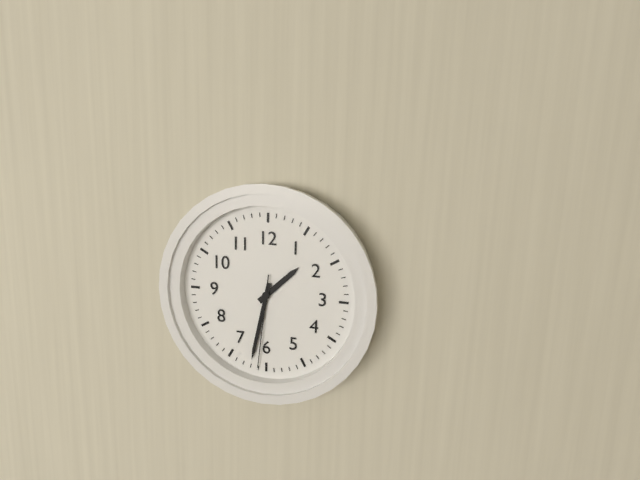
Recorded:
1,32,31
